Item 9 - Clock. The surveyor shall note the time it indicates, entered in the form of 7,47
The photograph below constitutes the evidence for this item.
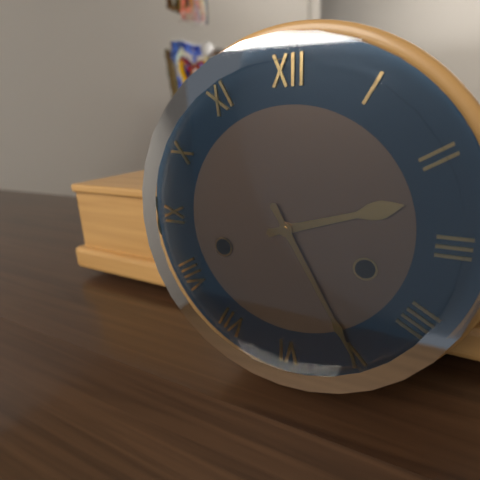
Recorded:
2,25
